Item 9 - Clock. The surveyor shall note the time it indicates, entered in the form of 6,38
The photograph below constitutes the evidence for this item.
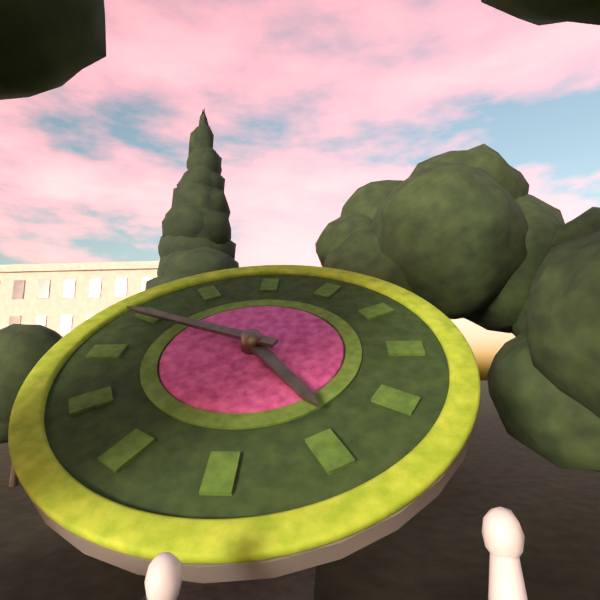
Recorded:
4,49
